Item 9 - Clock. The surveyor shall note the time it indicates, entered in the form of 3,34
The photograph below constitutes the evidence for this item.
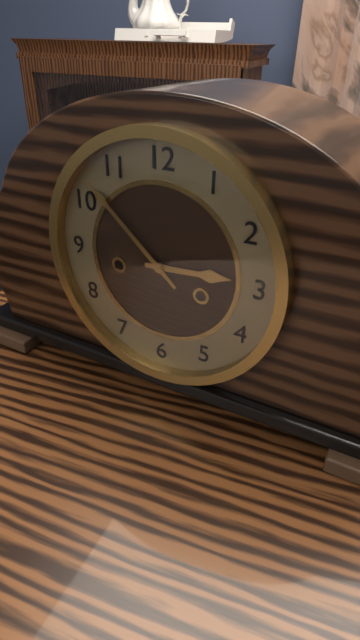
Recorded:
2,52
